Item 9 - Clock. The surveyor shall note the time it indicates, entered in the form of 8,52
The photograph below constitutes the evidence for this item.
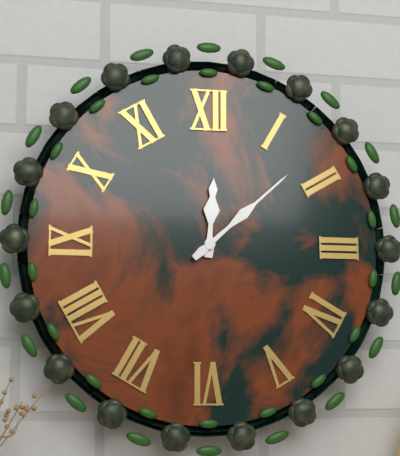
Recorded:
12,08
